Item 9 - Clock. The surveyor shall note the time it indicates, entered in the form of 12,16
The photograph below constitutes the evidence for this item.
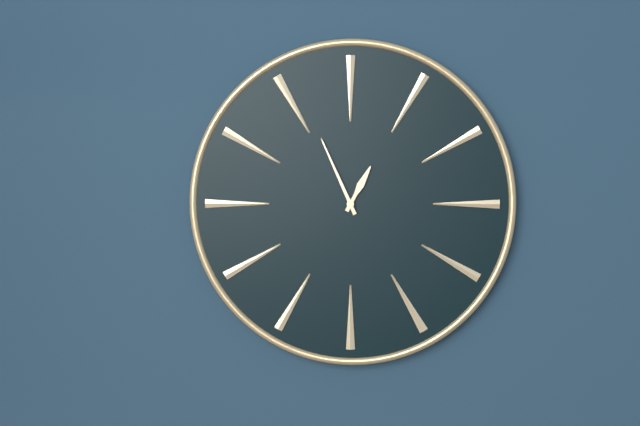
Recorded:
12,56
